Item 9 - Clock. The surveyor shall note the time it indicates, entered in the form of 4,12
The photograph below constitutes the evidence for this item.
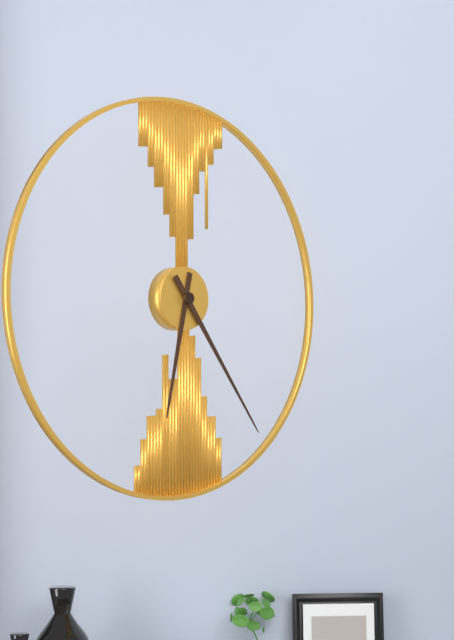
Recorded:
6,24
